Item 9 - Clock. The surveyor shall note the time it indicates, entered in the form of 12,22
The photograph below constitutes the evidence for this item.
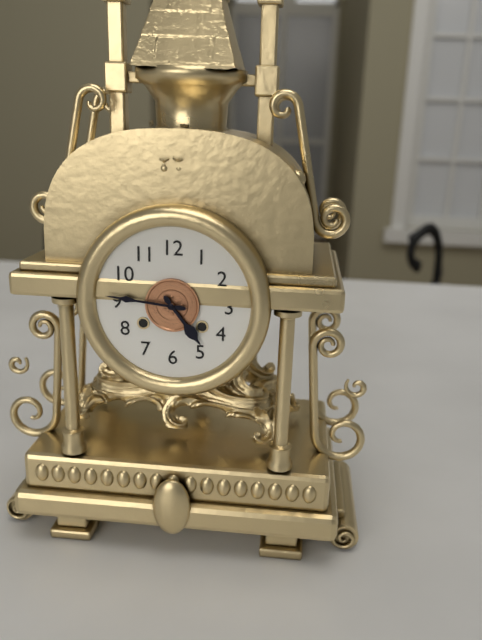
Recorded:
4,46
